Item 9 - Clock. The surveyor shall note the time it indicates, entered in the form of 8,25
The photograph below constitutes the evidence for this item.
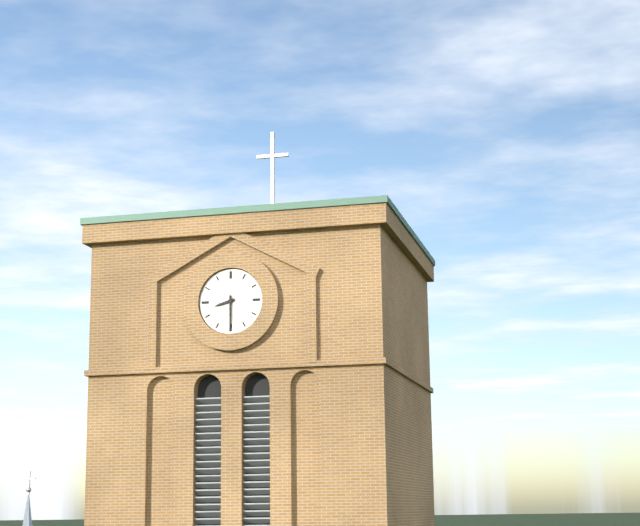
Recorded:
8,30
